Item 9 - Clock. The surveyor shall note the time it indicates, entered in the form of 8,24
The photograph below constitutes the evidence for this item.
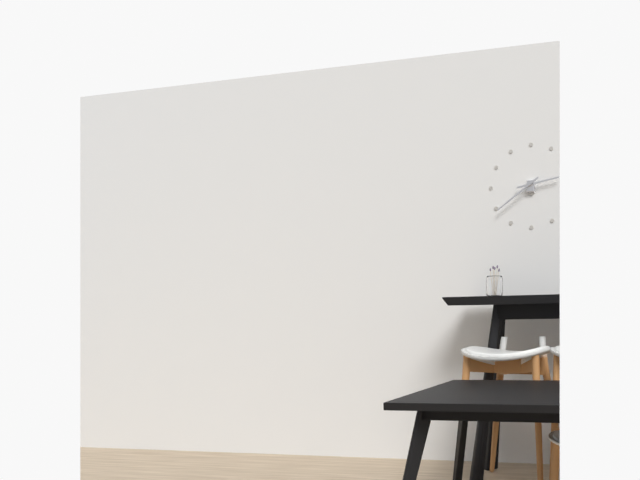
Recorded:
2,39
